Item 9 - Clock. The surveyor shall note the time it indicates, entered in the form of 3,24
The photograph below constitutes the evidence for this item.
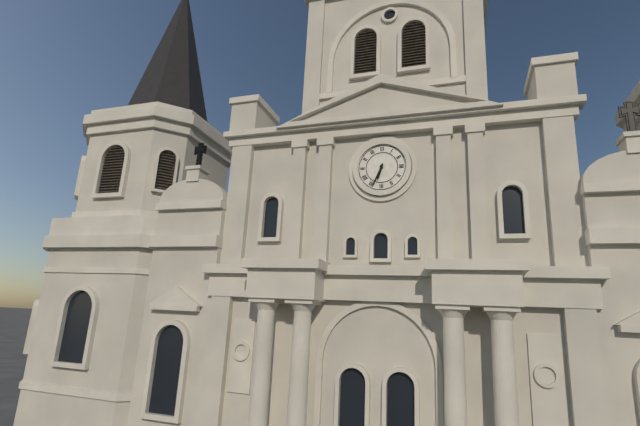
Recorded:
6,34
